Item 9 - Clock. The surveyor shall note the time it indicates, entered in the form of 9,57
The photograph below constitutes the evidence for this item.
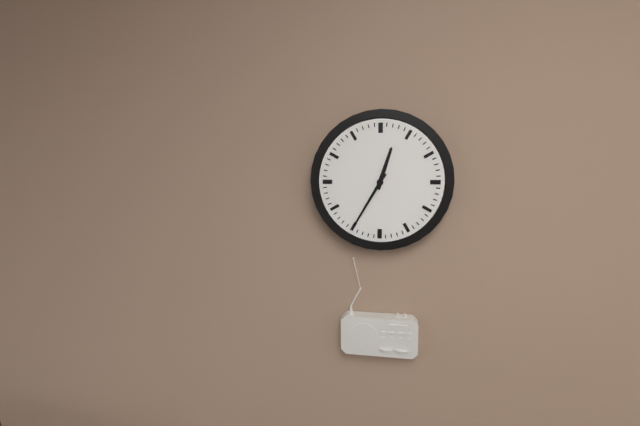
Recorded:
12,35
